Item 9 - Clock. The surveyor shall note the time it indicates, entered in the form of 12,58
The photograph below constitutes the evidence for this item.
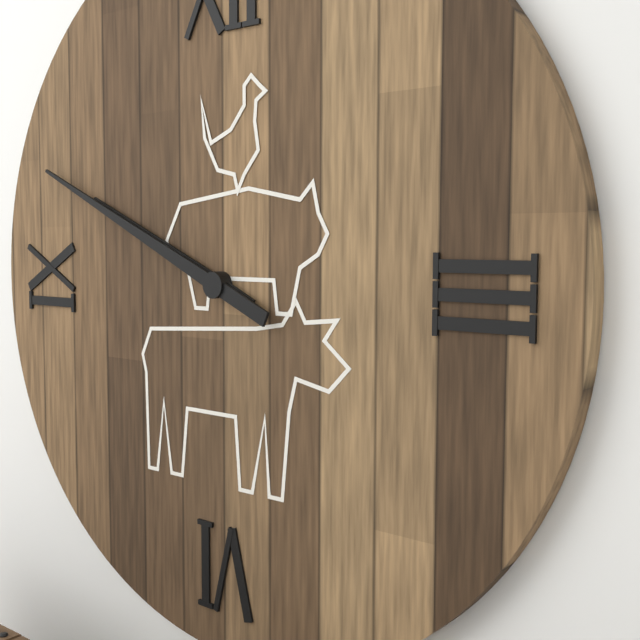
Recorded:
9,49
